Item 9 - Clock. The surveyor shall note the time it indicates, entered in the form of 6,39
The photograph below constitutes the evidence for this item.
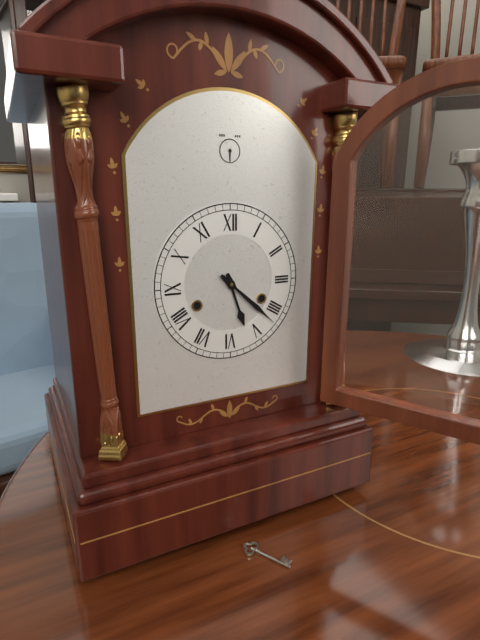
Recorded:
5,22
